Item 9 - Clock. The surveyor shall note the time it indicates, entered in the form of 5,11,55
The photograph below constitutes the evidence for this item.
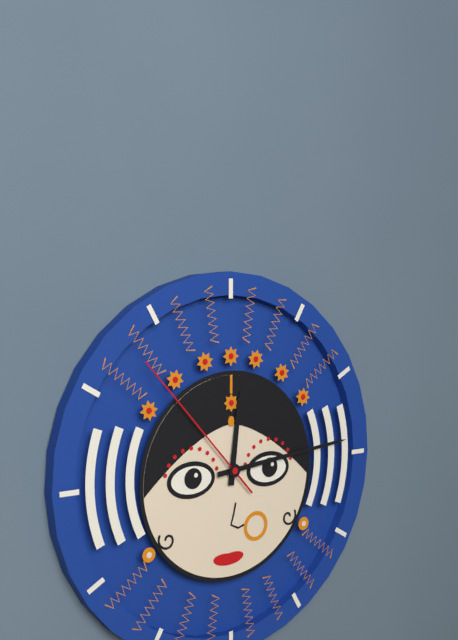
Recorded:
12,14,53
